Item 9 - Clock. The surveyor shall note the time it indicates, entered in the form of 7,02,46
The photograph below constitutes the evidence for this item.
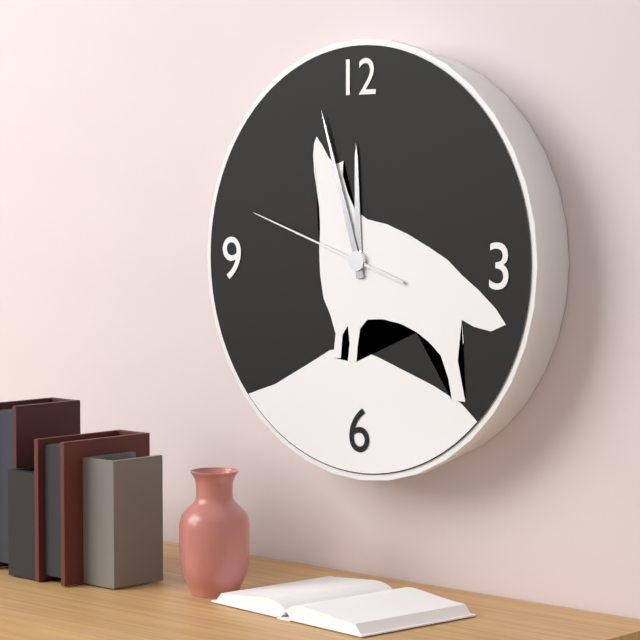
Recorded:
11,57,48
